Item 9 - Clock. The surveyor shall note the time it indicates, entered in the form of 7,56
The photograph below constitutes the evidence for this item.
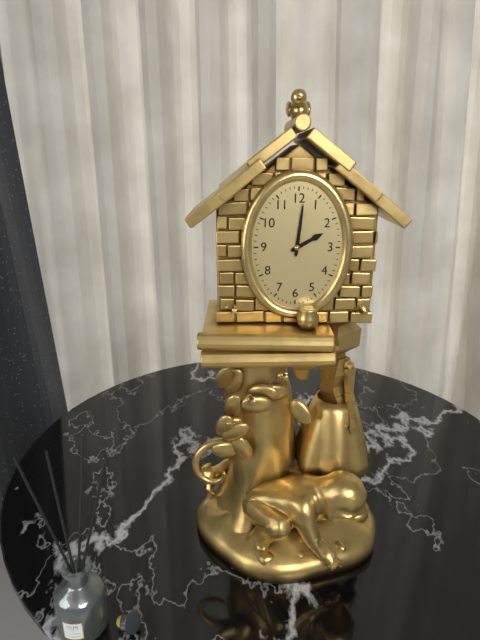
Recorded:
2,01
